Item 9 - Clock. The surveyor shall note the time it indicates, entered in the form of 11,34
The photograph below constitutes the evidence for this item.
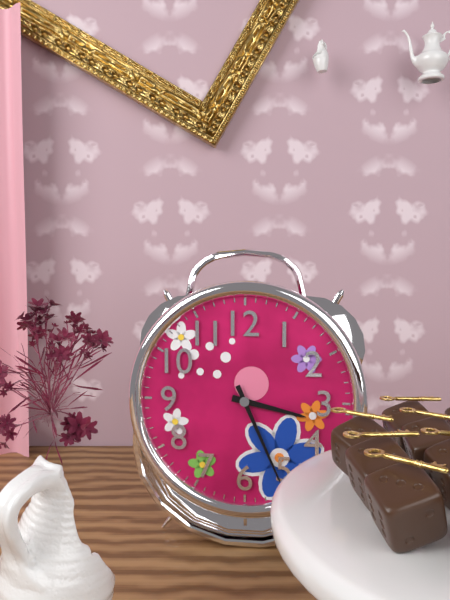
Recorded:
3,26
